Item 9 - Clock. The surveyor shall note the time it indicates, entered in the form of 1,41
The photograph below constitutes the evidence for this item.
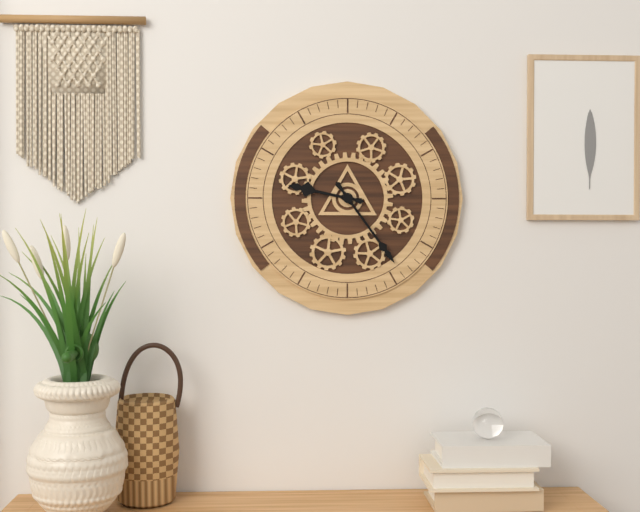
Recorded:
9,24
